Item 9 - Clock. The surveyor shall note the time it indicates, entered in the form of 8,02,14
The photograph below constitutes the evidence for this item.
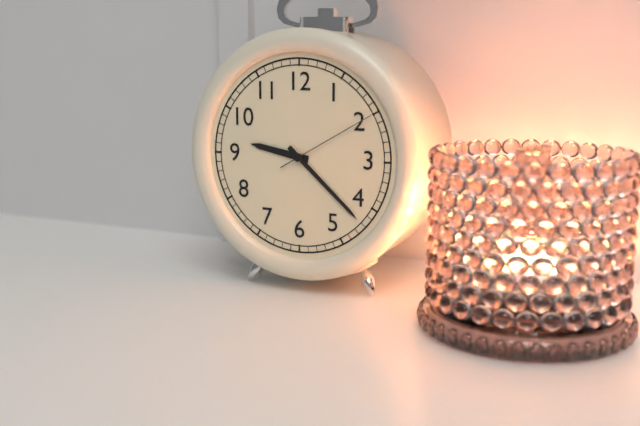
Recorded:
9,22,10
